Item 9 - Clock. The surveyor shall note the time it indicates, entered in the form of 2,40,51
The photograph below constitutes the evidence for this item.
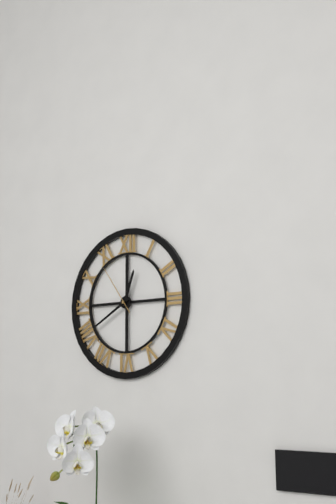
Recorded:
12,40,54
